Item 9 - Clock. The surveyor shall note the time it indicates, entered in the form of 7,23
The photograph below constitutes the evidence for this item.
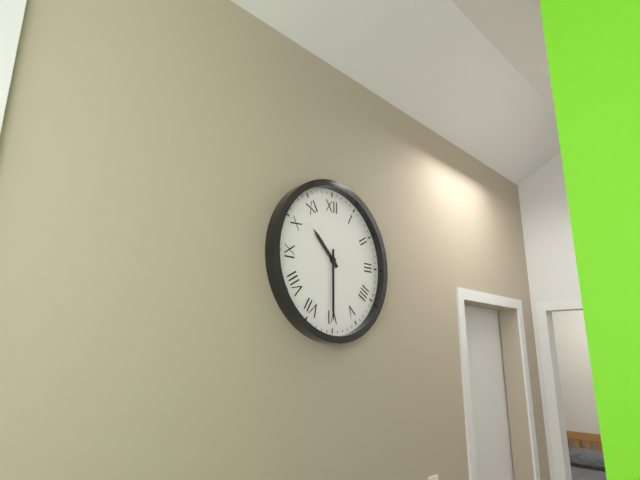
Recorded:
10,30
